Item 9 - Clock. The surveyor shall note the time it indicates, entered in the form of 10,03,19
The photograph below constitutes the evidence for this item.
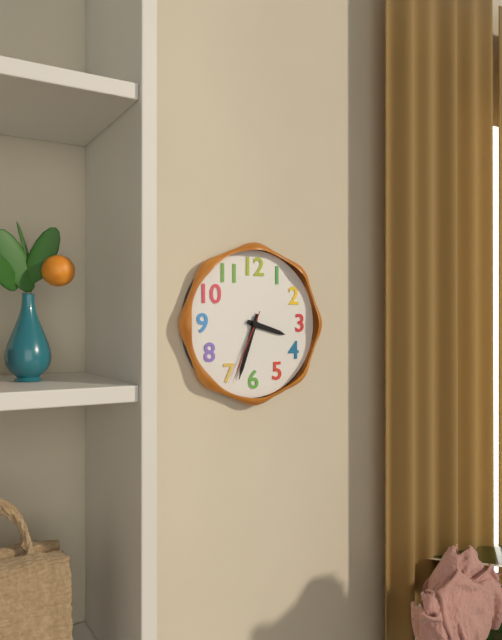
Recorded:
3,33,34
